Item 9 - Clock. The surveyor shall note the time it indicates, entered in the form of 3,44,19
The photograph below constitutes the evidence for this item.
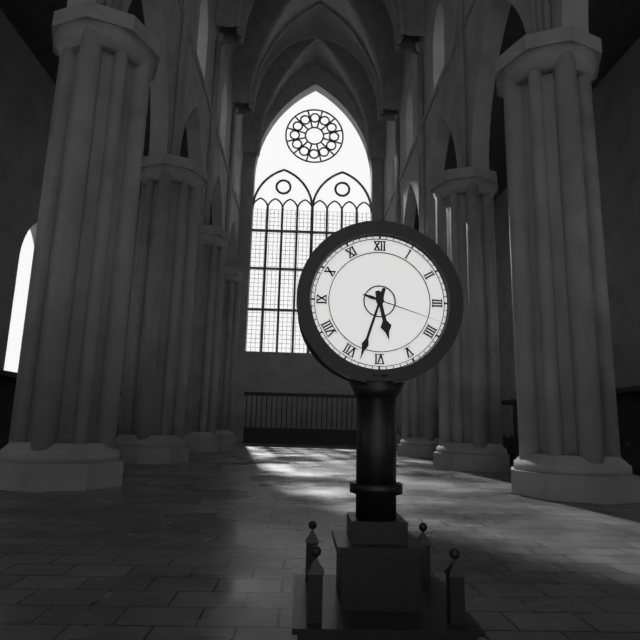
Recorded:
5,33,18
